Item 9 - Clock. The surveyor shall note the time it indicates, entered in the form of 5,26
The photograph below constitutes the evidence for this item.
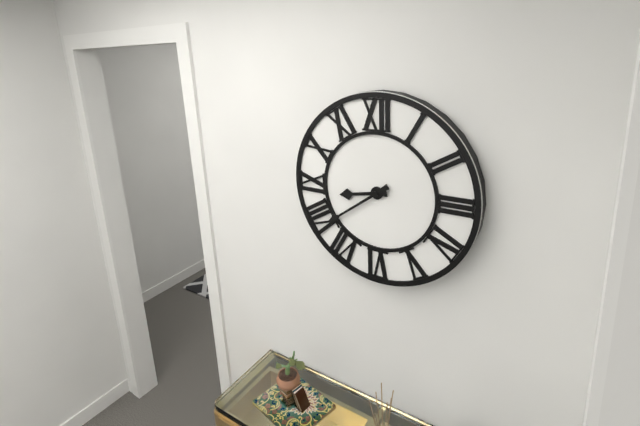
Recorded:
8,39
